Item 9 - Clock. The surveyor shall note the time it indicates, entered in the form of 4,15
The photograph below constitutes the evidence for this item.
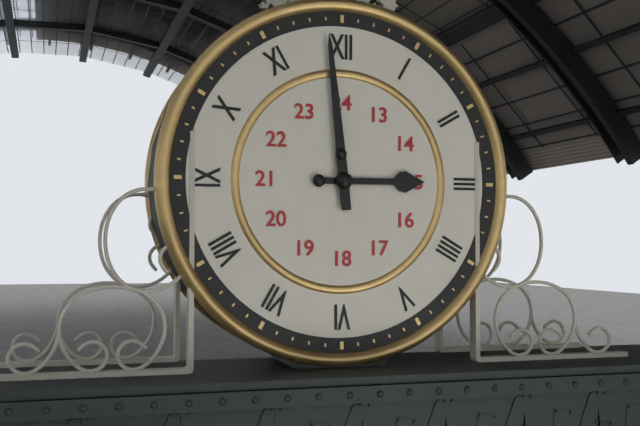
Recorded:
2,59
